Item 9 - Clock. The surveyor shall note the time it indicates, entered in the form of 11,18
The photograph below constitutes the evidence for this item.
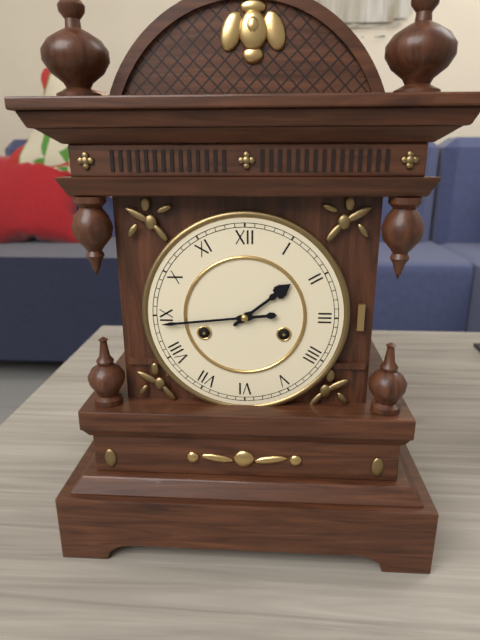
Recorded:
1,44
